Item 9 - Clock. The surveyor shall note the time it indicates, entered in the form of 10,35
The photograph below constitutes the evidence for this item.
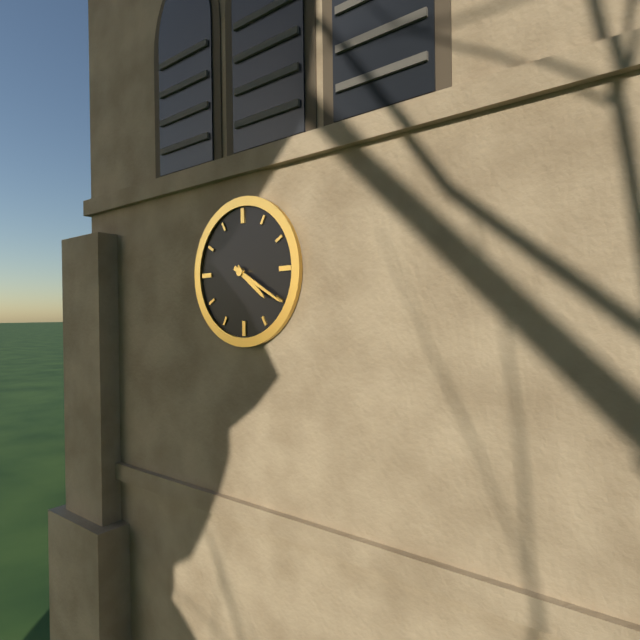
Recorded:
4,20
